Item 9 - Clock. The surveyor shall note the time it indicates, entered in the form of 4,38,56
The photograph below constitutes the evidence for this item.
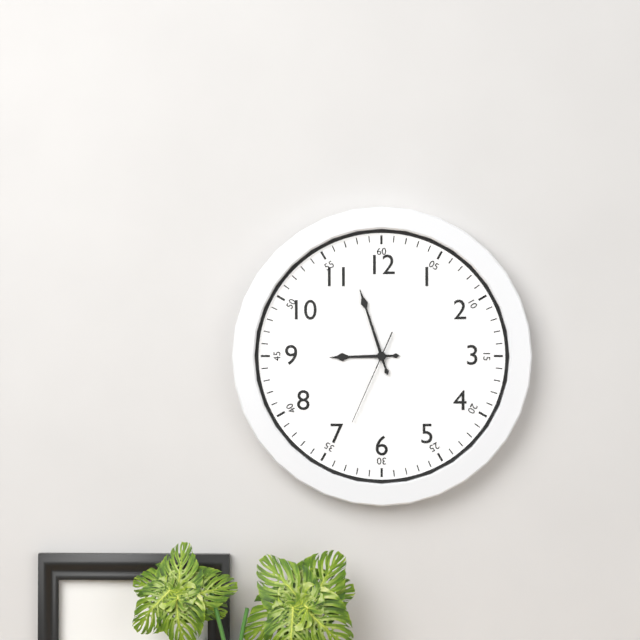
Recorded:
8,57,34
